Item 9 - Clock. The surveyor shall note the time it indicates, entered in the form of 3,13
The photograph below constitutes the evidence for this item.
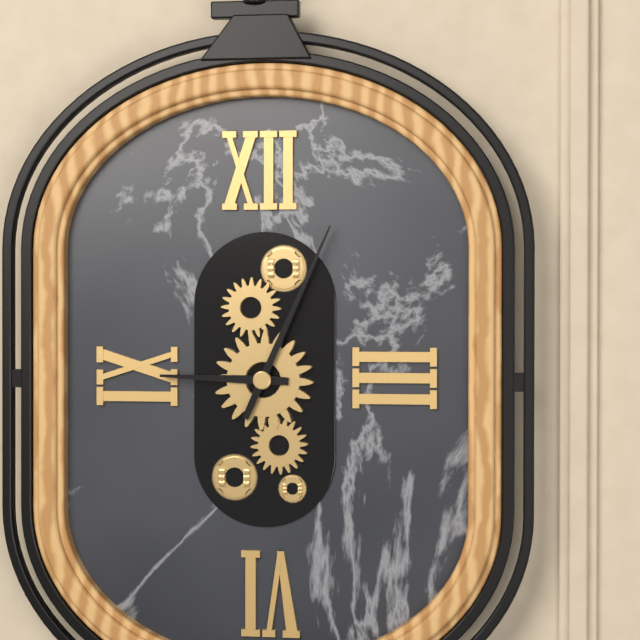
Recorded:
9,04
